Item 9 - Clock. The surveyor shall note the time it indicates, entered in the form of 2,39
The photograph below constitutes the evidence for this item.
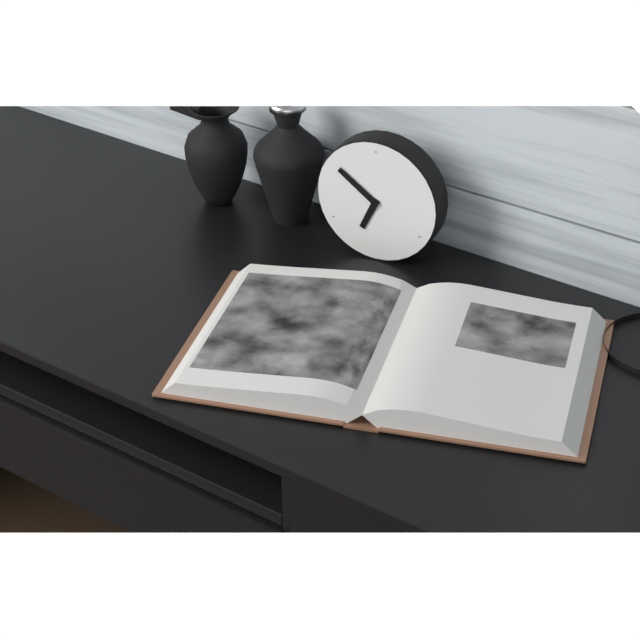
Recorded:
6,51
